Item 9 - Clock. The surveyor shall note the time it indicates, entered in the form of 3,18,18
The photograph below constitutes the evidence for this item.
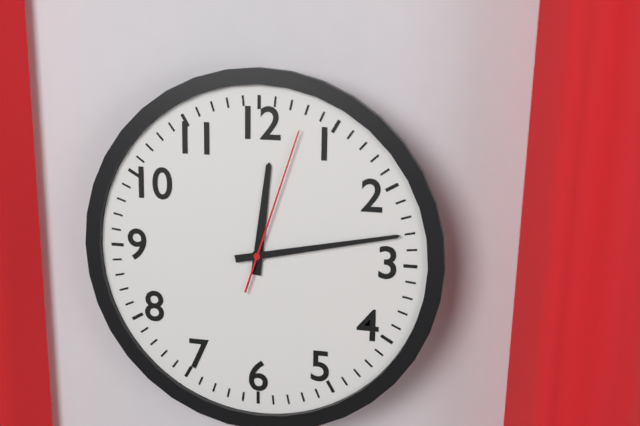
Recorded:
12,13,03
